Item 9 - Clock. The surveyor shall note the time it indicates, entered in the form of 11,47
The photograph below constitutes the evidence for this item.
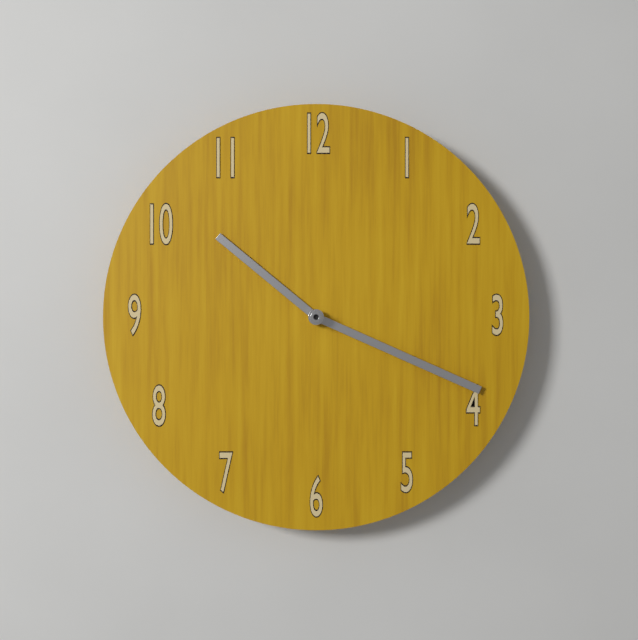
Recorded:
10,19
